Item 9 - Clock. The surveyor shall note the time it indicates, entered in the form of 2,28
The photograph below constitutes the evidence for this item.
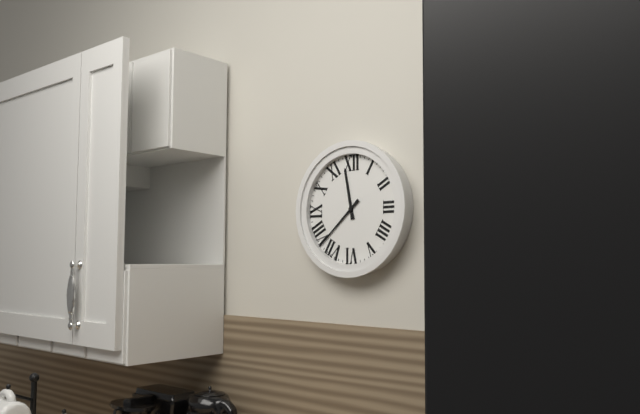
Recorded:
11,38
